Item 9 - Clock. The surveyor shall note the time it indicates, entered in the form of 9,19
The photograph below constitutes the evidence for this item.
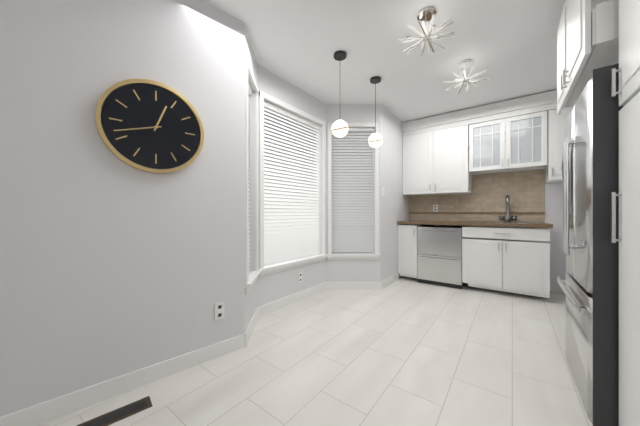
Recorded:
12,42
